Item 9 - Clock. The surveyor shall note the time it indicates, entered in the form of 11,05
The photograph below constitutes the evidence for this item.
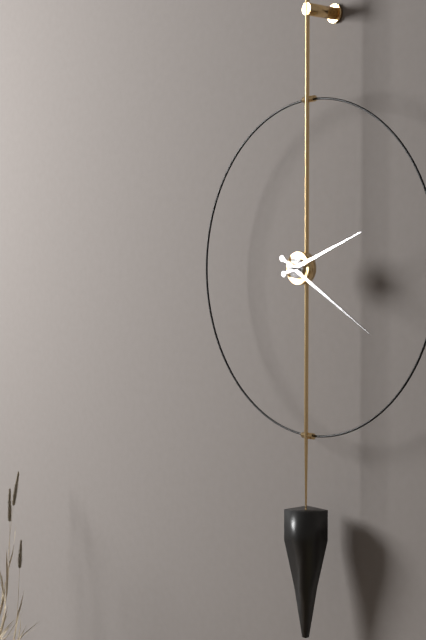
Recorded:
2,20
